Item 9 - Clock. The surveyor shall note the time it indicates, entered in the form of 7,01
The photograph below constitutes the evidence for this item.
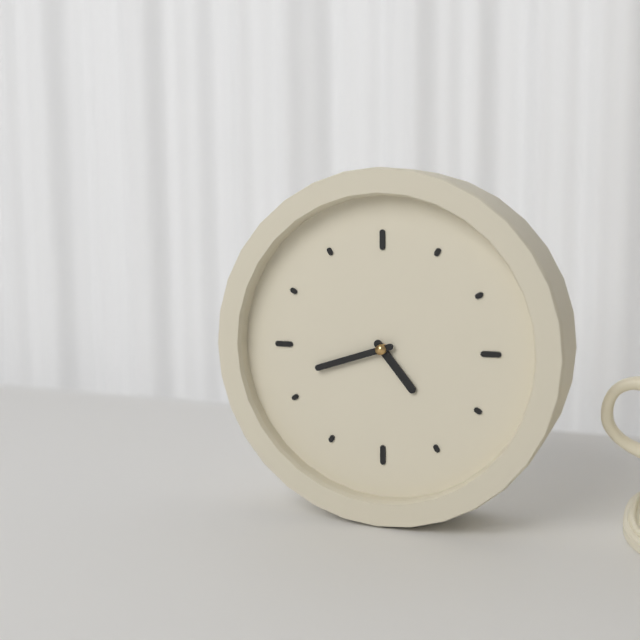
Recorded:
4,42
